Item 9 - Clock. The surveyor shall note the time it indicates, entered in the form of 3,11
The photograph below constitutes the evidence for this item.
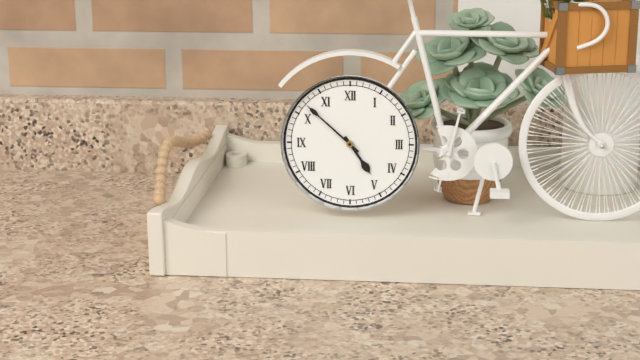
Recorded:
4,52
